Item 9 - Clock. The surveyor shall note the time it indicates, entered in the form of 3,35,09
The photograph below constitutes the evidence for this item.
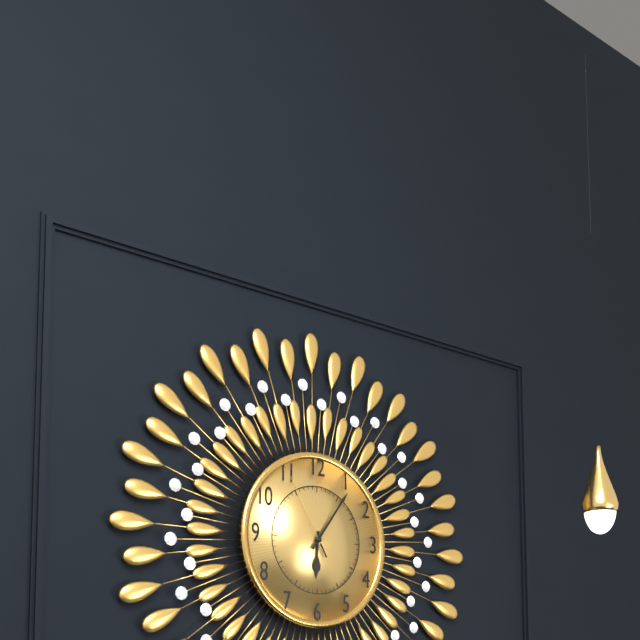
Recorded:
6,06,55
